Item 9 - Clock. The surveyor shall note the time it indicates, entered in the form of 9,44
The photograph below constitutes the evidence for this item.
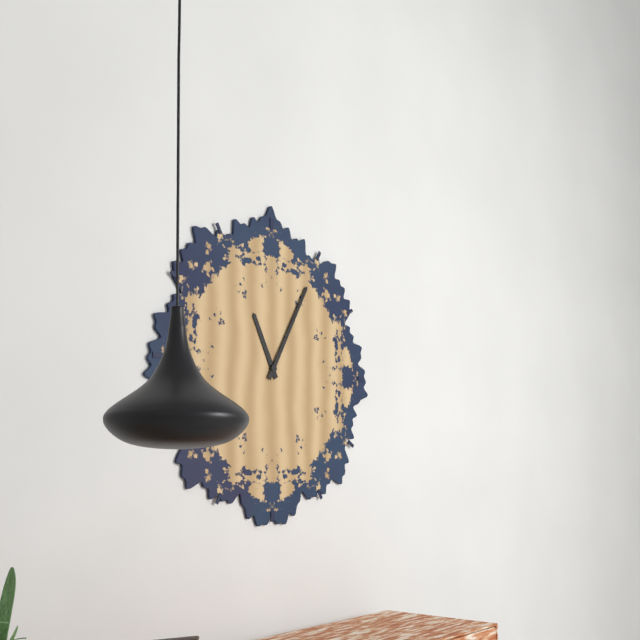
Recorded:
11,05
